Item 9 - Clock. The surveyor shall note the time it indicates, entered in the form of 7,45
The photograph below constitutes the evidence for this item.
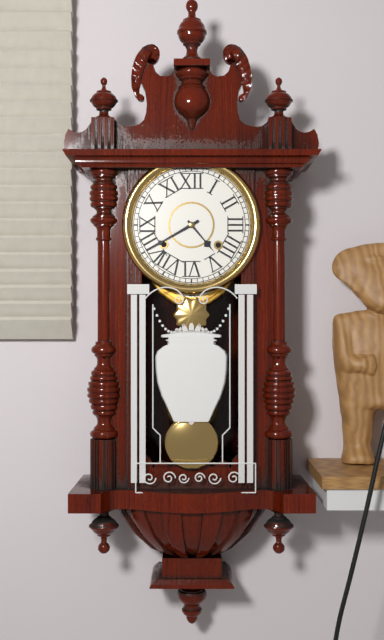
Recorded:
4,40
